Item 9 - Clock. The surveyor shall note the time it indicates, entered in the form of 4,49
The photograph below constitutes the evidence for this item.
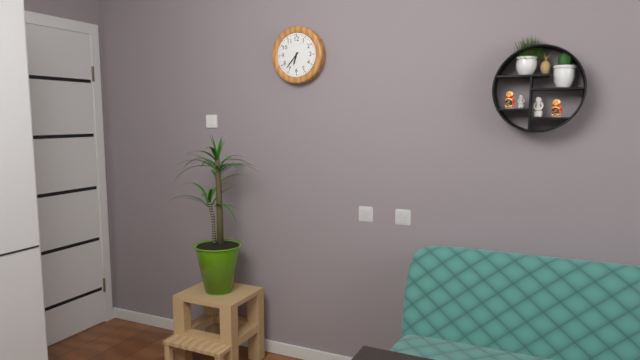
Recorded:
6,37
